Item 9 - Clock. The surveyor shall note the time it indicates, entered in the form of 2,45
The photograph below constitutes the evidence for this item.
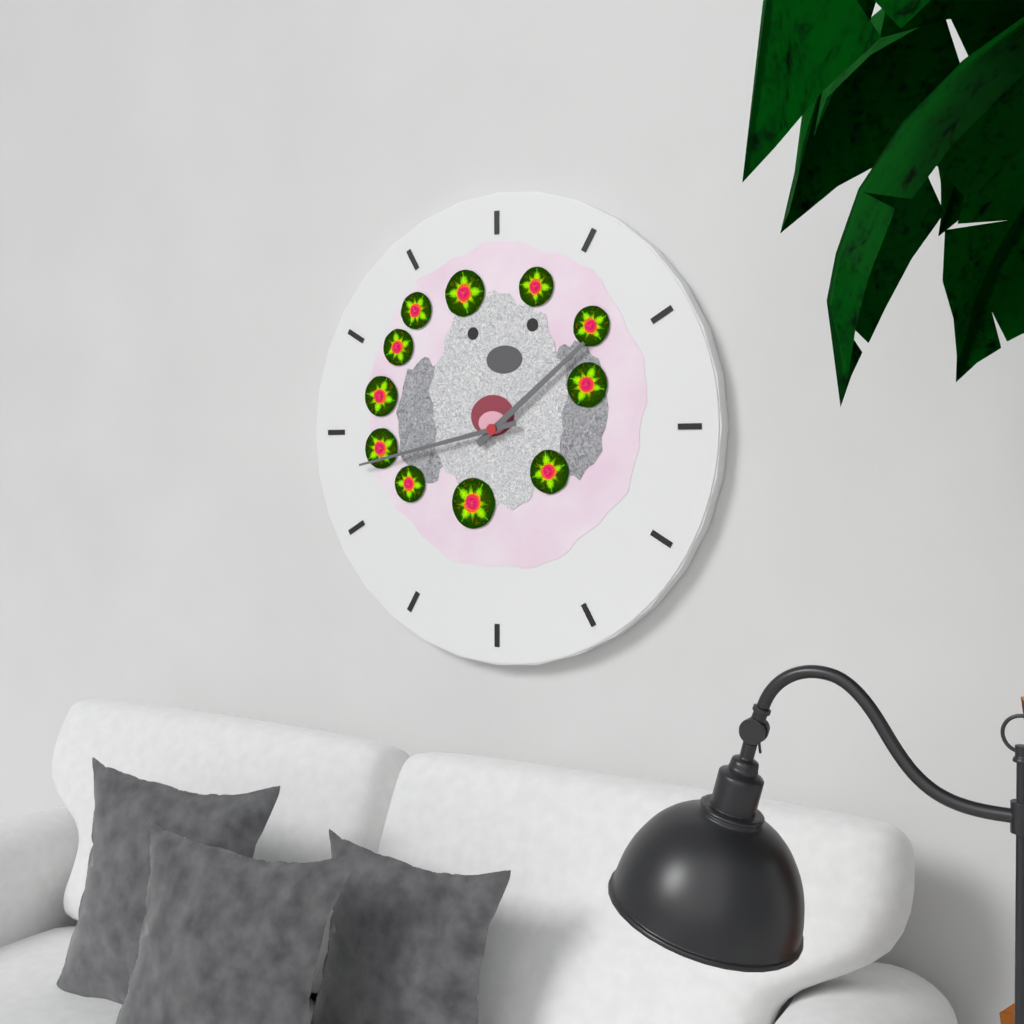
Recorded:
1,43
